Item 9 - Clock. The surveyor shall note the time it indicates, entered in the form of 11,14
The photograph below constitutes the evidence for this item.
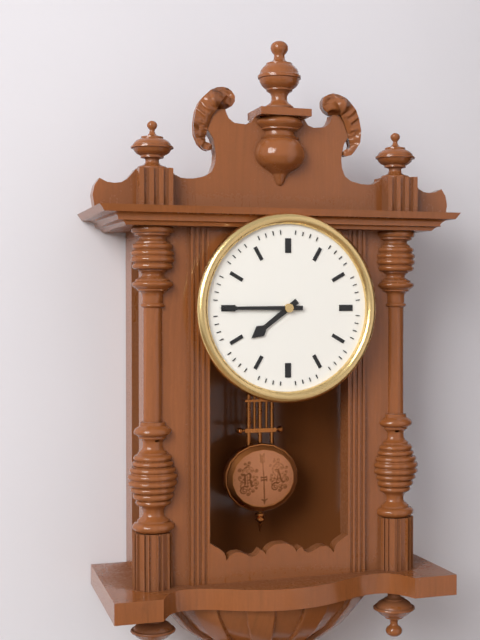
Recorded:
7,45
